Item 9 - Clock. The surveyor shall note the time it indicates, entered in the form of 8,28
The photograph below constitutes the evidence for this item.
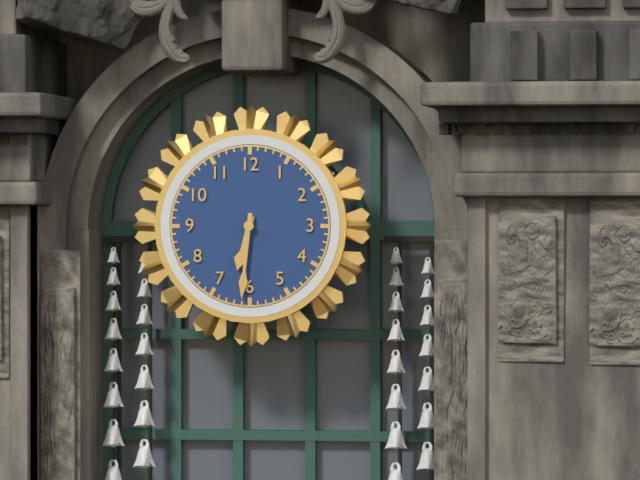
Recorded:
6,31
